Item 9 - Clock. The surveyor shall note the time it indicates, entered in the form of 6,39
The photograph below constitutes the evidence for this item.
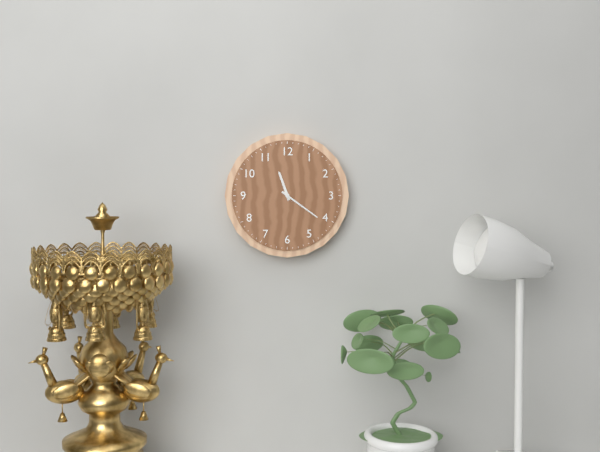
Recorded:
11,21
